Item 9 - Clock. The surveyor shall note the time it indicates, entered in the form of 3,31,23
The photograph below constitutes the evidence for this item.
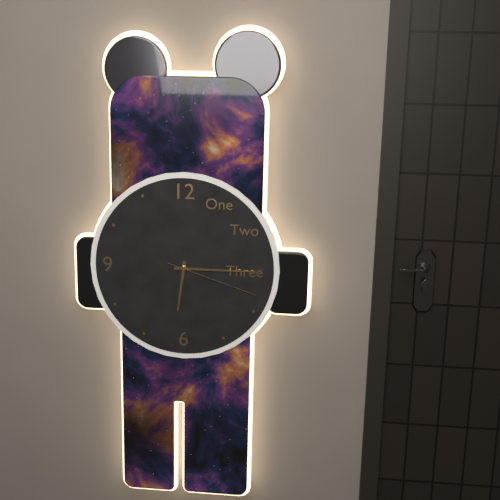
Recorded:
6,15,18
